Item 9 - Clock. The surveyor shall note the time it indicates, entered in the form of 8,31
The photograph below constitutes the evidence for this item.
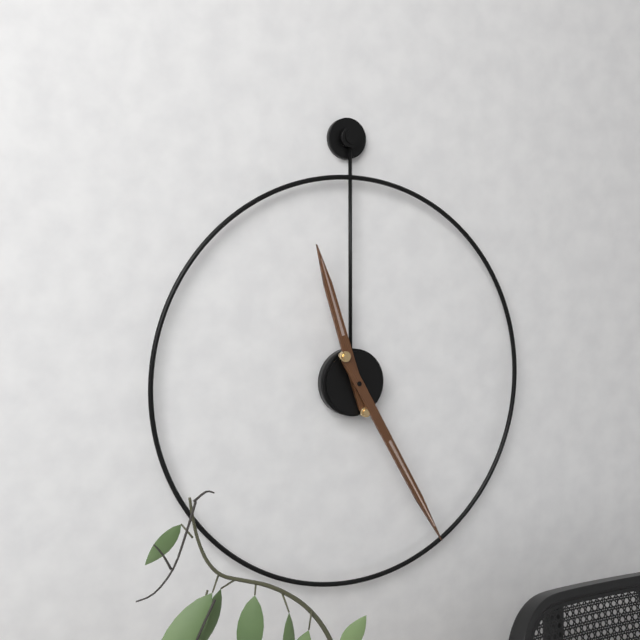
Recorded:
11,25
